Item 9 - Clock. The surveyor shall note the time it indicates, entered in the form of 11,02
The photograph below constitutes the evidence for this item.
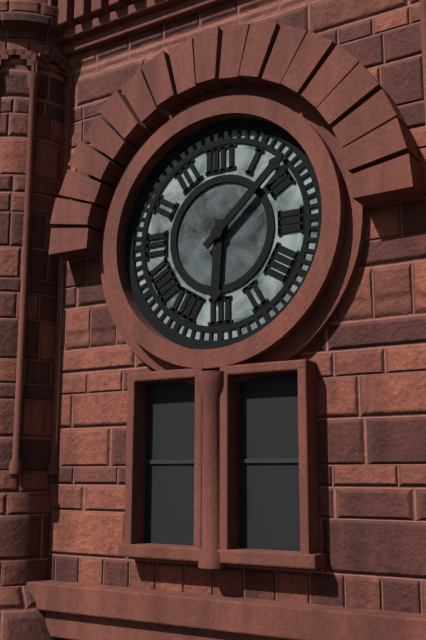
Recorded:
6,08
